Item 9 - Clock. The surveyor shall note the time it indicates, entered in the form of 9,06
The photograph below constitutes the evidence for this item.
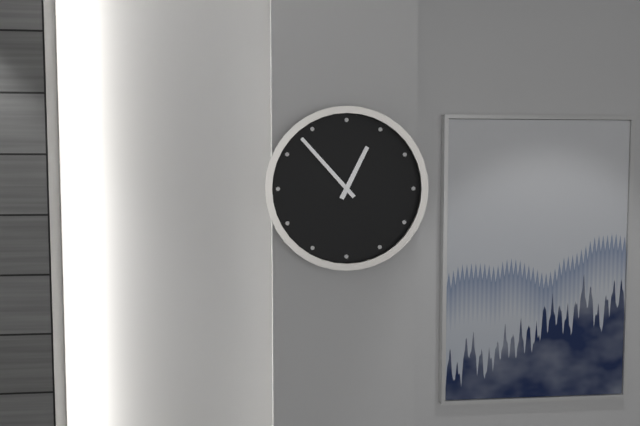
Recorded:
12,53
